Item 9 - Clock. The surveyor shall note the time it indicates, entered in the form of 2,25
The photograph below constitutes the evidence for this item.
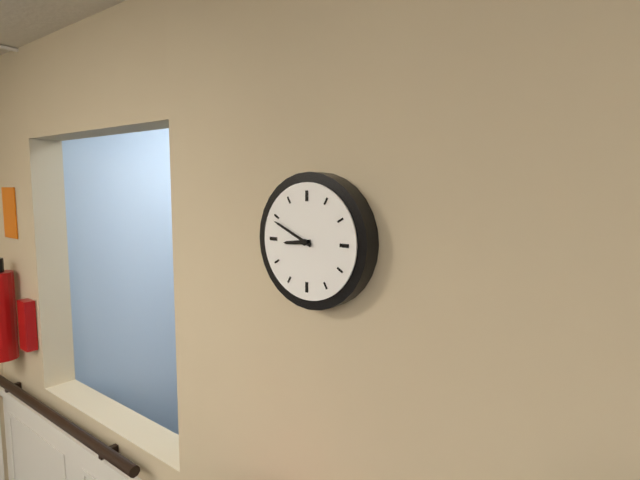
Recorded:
8,49
